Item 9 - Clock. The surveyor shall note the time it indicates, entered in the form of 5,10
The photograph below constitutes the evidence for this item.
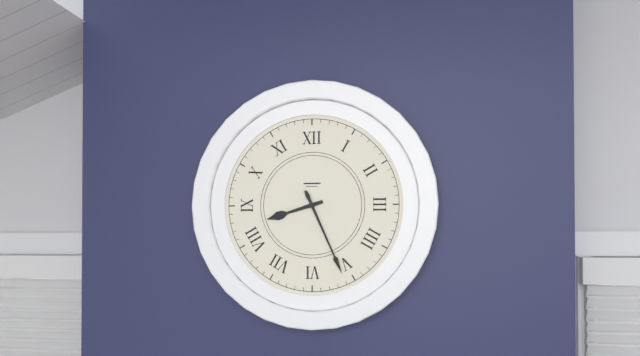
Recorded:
8,26
